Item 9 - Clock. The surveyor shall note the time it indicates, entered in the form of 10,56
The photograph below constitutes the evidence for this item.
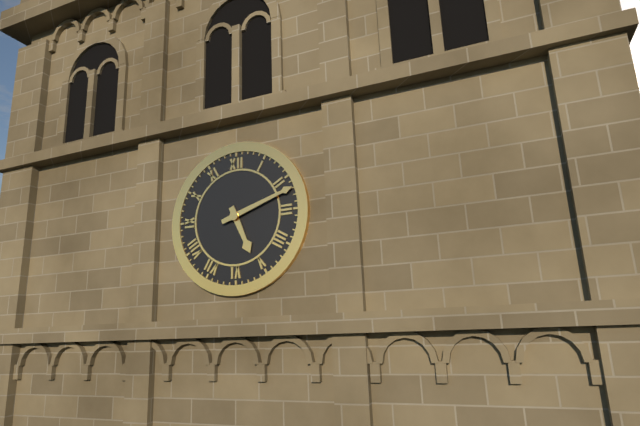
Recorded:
5,12
